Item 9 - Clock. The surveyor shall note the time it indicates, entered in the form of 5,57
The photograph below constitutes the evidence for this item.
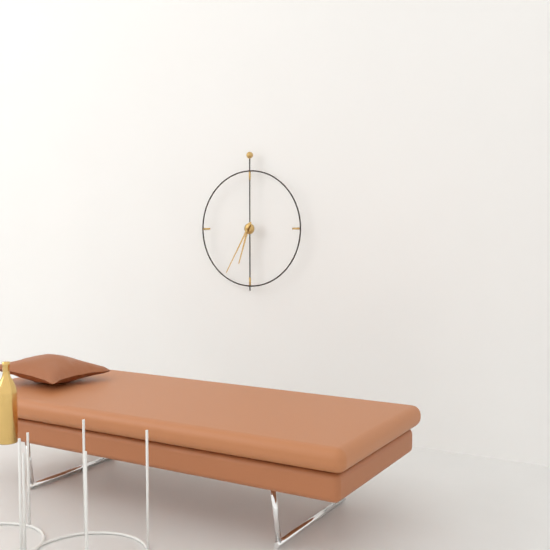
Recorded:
6,35
